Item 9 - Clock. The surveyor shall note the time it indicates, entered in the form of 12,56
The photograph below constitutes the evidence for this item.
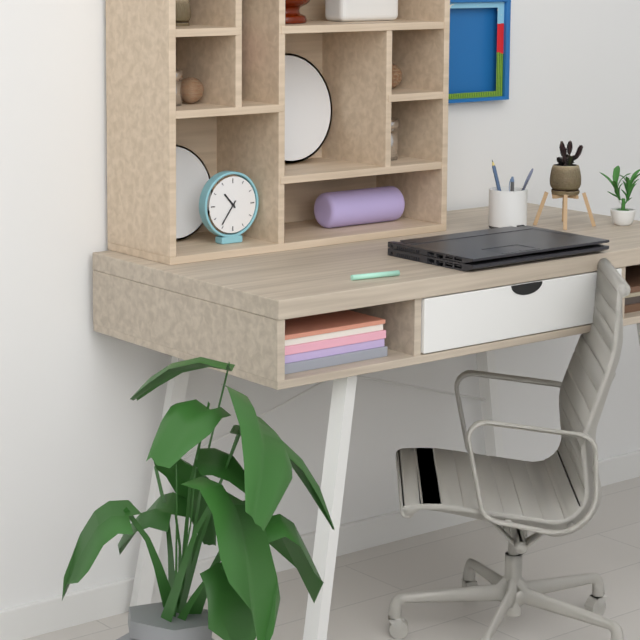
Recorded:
10,36
